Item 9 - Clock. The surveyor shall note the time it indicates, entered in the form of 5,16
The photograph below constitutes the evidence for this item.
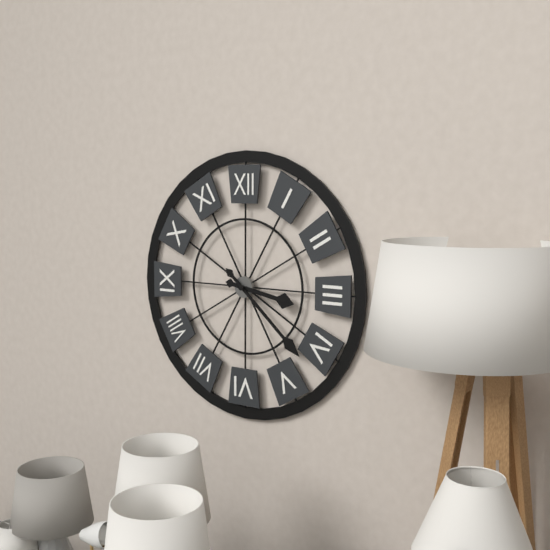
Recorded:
3,22
